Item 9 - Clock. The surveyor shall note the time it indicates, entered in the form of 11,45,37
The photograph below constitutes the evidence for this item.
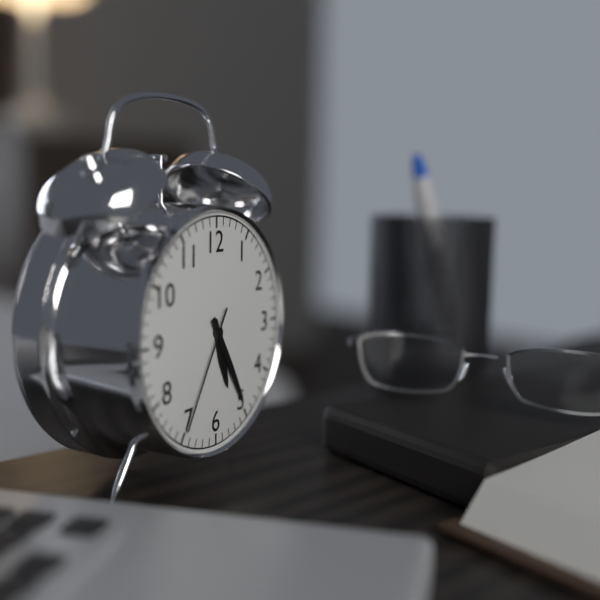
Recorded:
5,25,35
